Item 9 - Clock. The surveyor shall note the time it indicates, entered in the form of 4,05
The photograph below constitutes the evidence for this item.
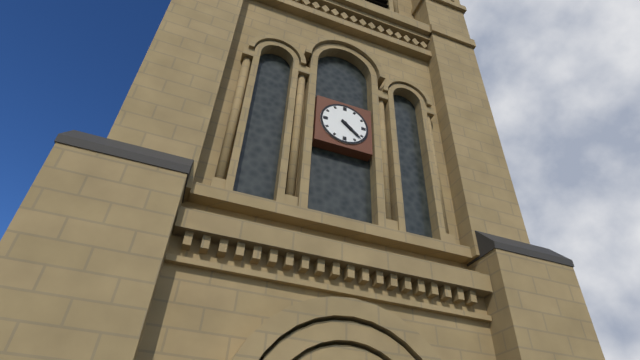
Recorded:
4,22
